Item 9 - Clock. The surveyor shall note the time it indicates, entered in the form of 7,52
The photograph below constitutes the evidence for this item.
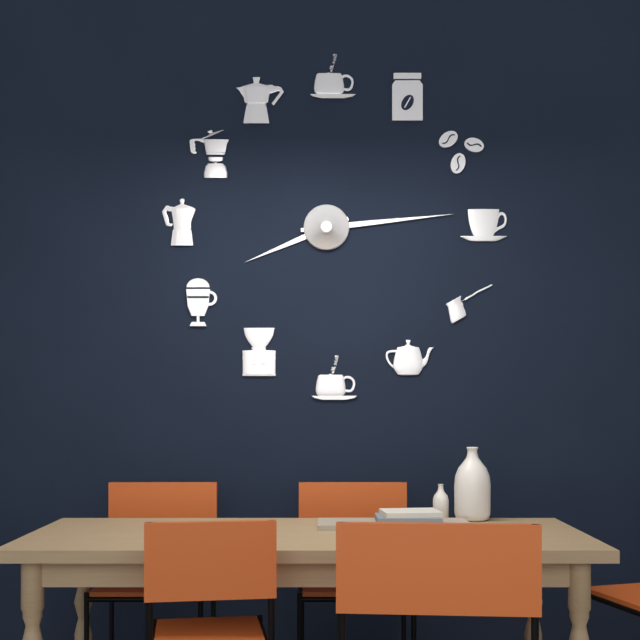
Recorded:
8,14
